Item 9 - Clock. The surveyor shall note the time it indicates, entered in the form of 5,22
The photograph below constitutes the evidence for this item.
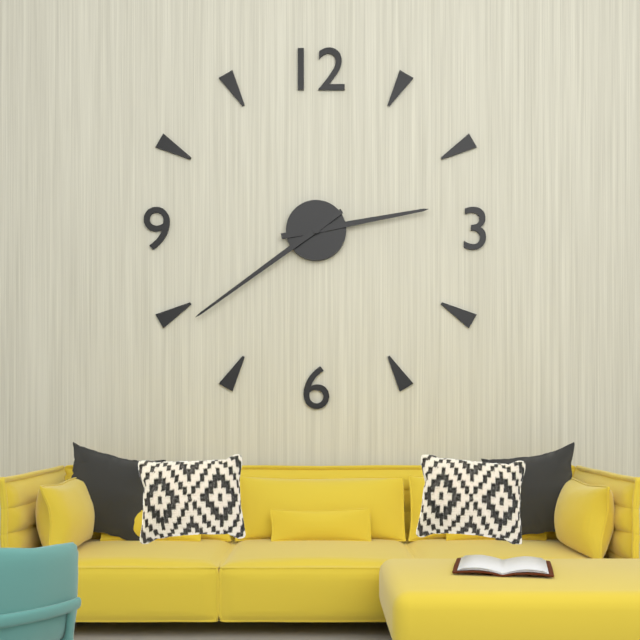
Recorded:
2,39
